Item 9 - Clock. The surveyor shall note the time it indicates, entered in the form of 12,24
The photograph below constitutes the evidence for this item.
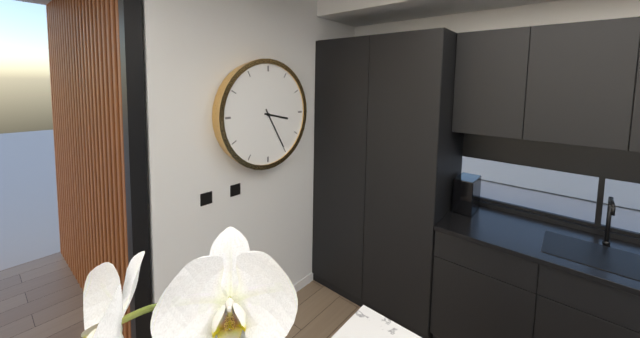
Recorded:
3,25
